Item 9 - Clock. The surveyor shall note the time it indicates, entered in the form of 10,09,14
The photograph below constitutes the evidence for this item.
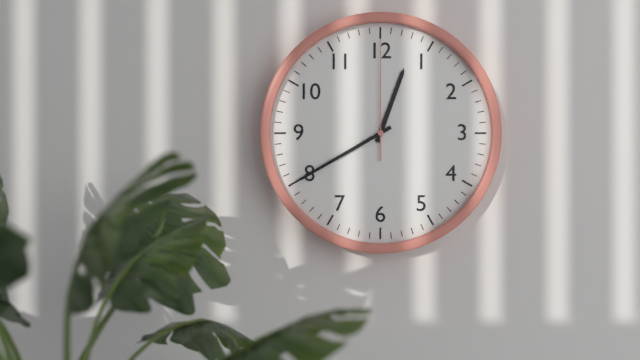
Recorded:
12,40,00
